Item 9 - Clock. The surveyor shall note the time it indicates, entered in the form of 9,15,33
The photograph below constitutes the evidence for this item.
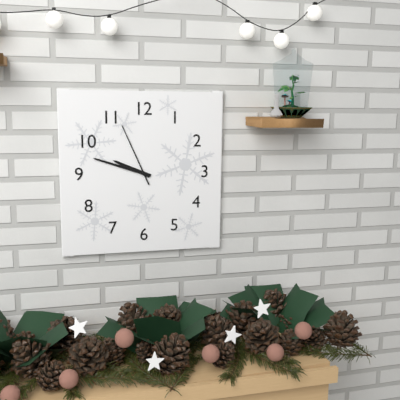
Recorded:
9,48,56
